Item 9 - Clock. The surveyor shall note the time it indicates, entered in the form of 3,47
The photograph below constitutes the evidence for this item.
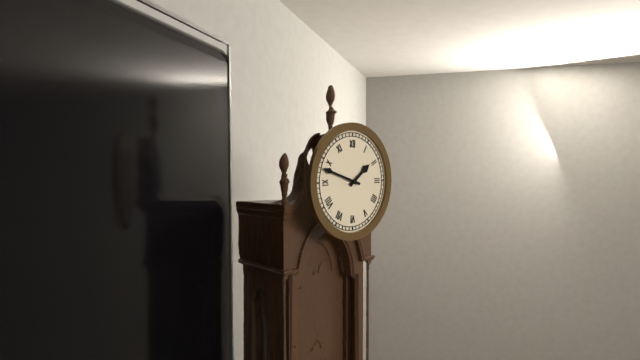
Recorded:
1,48
